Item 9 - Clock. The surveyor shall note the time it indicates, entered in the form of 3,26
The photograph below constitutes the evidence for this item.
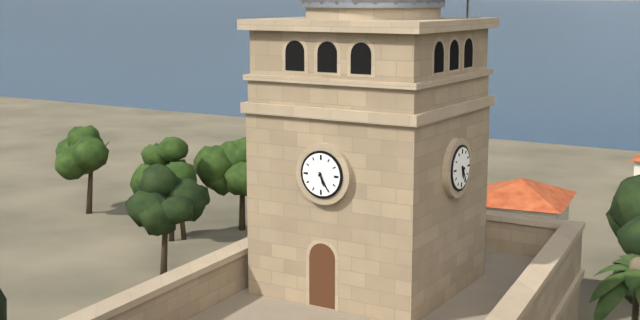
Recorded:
5,25
